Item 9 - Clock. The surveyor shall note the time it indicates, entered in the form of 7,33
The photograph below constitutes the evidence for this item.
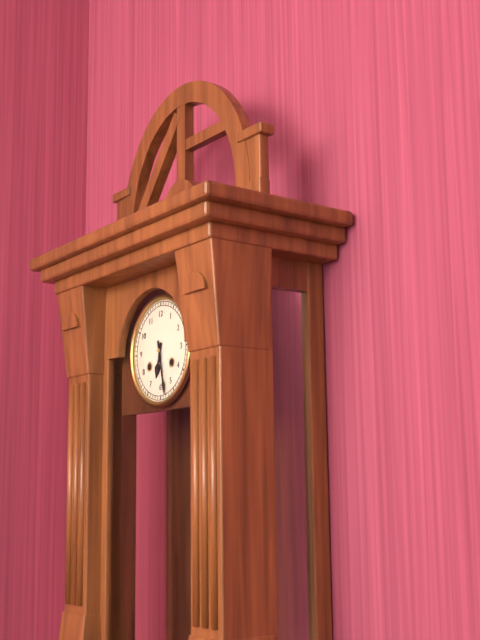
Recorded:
6,28
